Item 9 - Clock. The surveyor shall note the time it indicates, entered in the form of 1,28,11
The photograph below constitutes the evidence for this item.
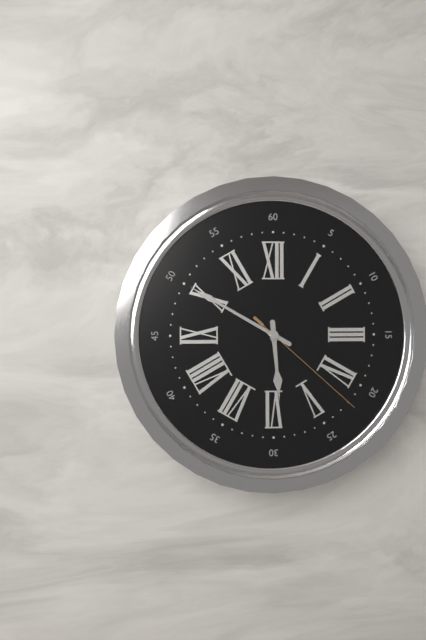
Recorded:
5,50,22
